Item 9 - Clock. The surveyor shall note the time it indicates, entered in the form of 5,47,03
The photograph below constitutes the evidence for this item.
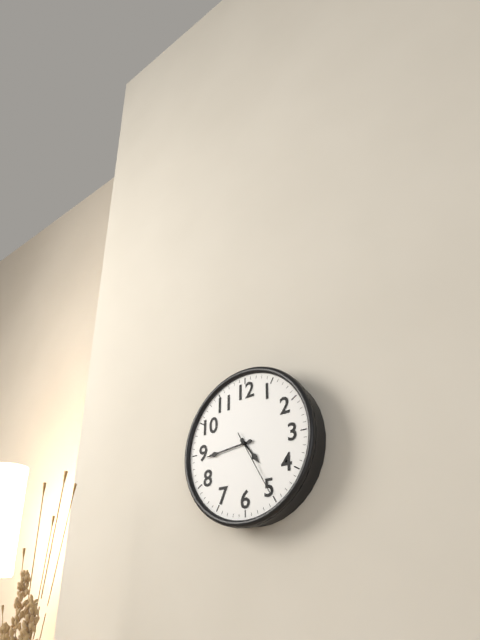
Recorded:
4,44,25
